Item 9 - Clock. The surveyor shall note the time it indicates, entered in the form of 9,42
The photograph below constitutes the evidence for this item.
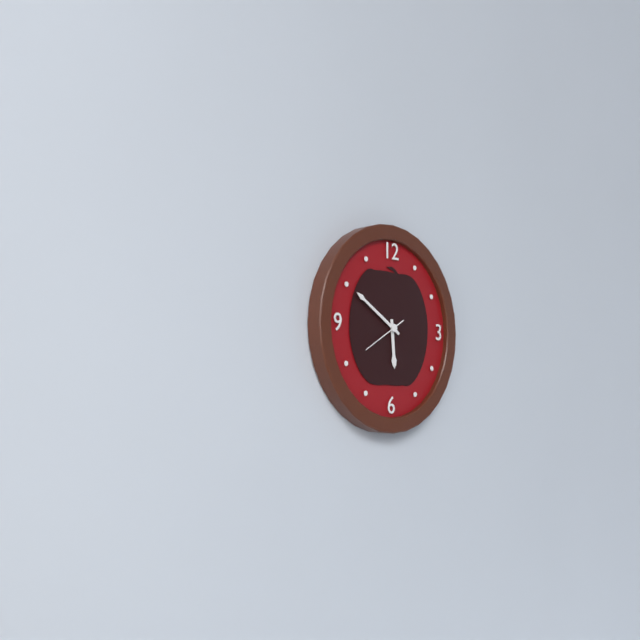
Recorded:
5,50
